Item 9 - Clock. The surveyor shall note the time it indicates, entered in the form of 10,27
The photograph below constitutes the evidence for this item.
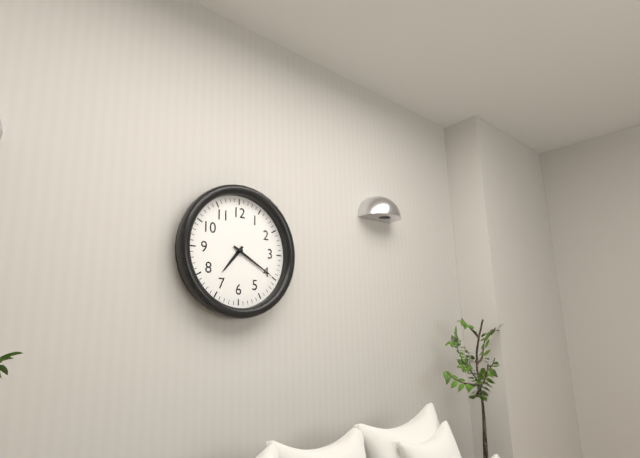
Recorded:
7,20
